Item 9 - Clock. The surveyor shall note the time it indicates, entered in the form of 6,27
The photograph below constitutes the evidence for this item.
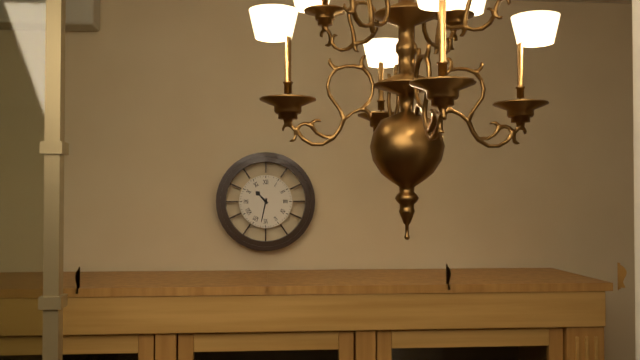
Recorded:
10,32
